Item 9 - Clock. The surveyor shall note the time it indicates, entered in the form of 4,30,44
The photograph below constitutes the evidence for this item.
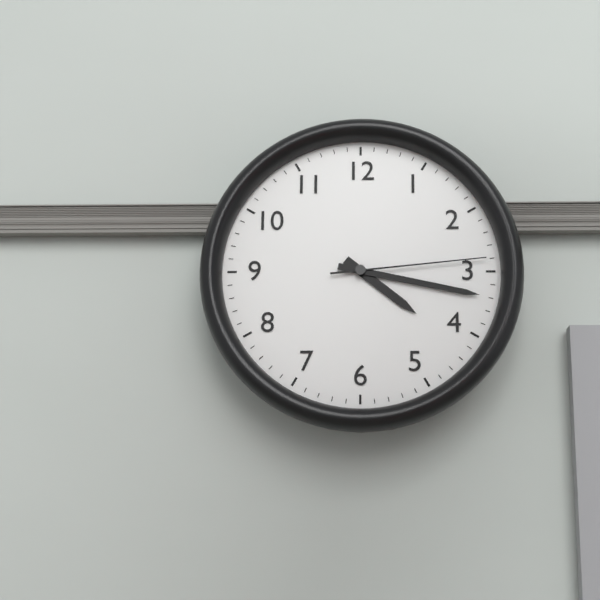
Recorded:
4,17,14
